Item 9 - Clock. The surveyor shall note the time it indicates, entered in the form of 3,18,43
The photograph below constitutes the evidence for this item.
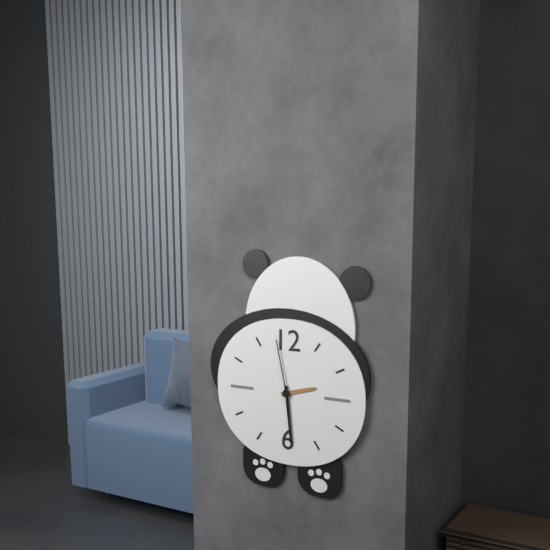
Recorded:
2,29,58
